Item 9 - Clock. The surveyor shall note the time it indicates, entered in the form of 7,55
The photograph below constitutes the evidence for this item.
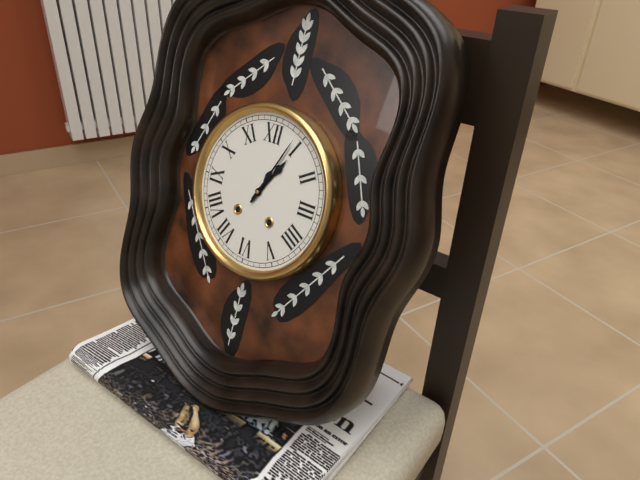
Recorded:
1,04
